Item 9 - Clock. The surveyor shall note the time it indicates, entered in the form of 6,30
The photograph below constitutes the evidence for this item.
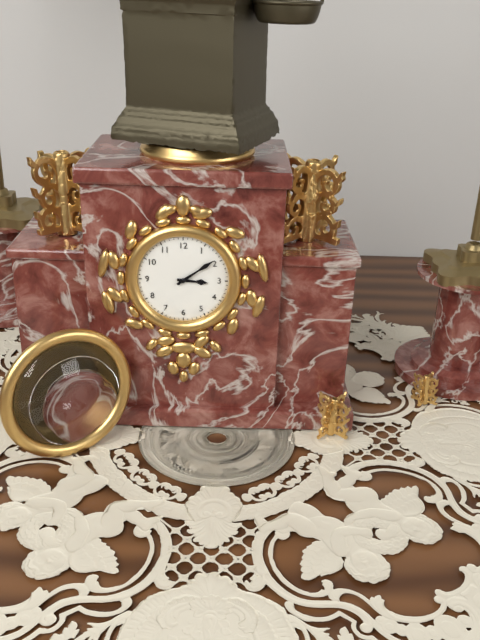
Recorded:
3,09
